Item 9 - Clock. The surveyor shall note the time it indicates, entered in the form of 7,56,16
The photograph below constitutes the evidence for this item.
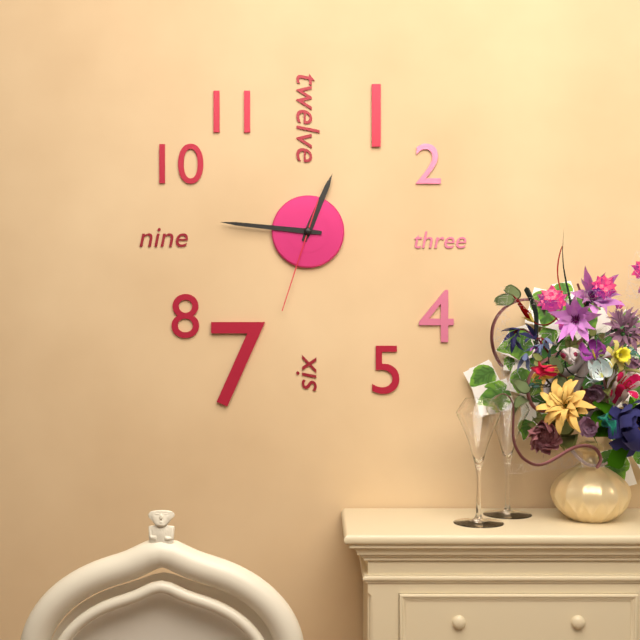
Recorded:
12,46,33
